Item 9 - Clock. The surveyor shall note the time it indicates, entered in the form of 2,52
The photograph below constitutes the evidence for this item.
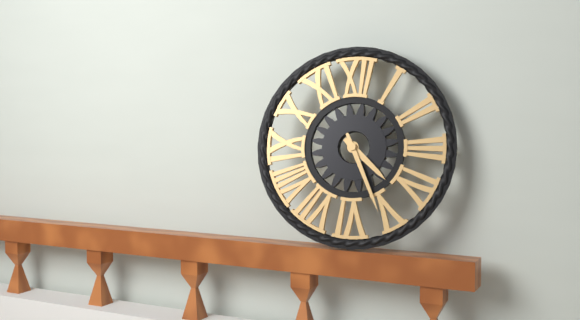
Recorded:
4,26
